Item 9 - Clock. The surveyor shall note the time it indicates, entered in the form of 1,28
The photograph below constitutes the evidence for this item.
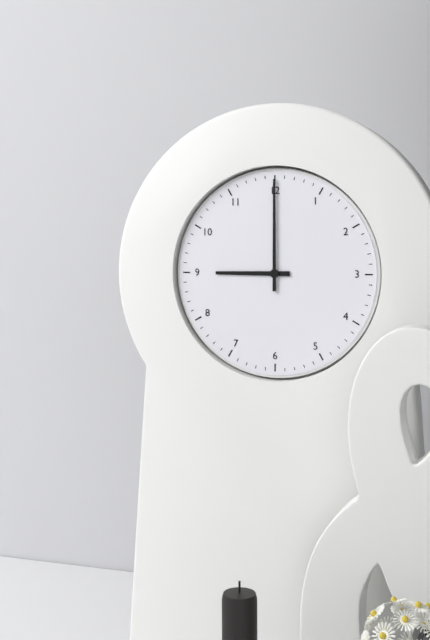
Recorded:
9,00
